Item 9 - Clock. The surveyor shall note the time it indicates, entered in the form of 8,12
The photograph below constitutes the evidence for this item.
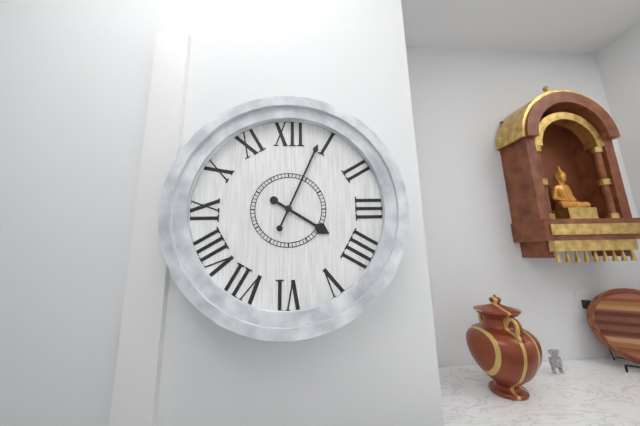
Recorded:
4,04
